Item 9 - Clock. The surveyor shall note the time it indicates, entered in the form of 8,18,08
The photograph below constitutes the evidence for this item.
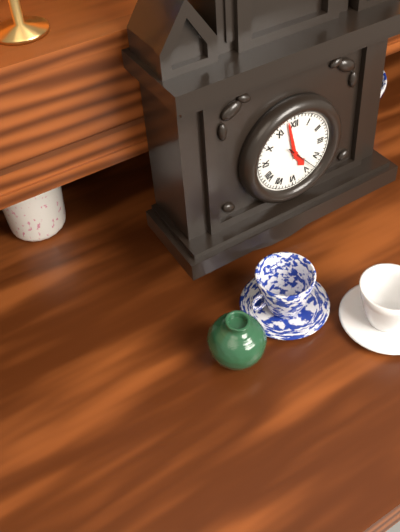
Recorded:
4,58,23
